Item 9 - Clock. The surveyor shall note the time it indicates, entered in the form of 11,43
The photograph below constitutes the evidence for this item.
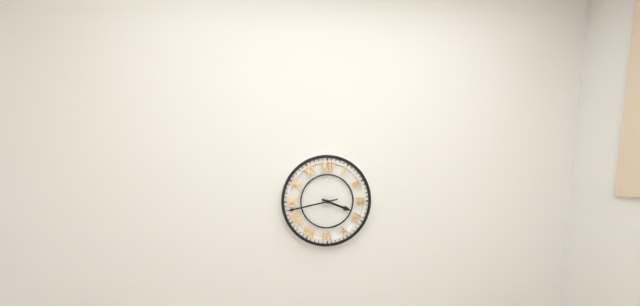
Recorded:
3,43
